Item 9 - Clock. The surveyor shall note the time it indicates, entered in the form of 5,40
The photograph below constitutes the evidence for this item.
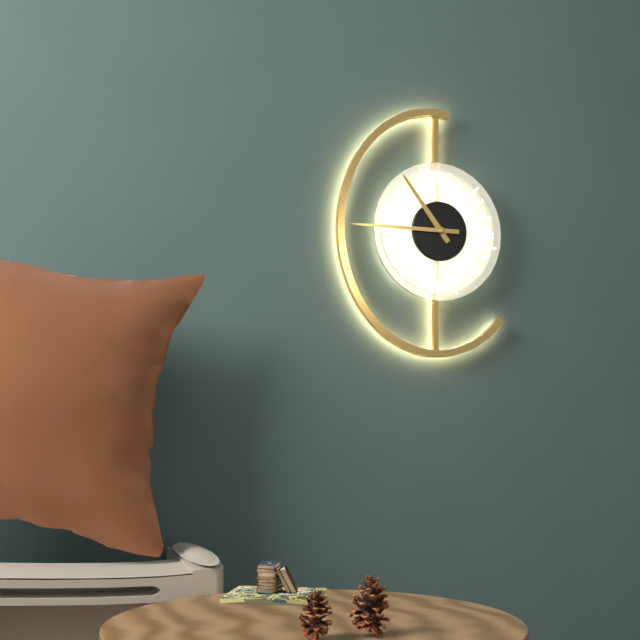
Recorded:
10,45
